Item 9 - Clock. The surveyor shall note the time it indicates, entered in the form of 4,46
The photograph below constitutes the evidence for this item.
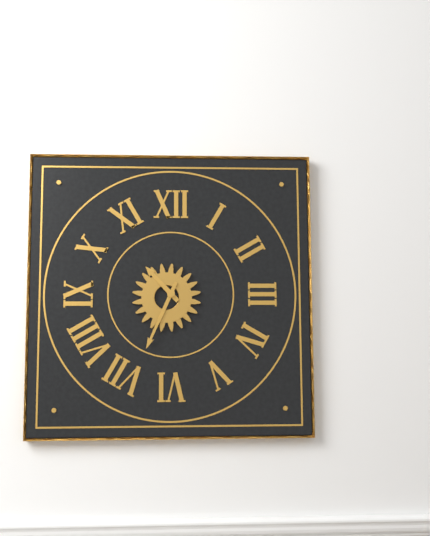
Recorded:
10,34
